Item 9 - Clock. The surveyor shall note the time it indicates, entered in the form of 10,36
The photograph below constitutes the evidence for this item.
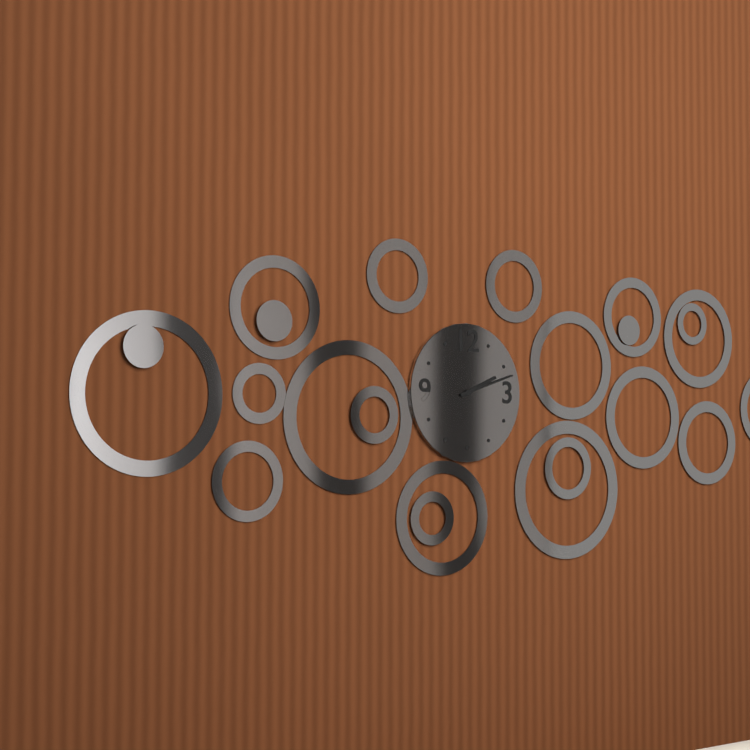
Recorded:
2,12
